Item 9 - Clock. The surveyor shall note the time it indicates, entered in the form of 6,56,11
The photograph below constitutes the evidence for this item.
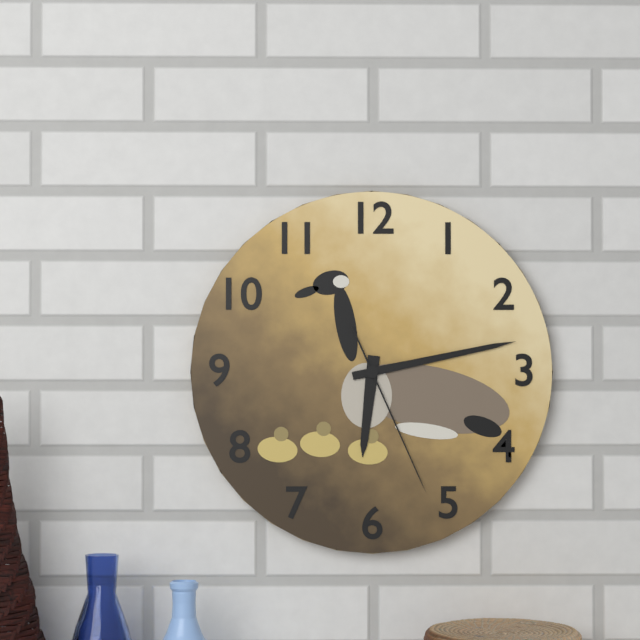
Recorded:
6,13,26
